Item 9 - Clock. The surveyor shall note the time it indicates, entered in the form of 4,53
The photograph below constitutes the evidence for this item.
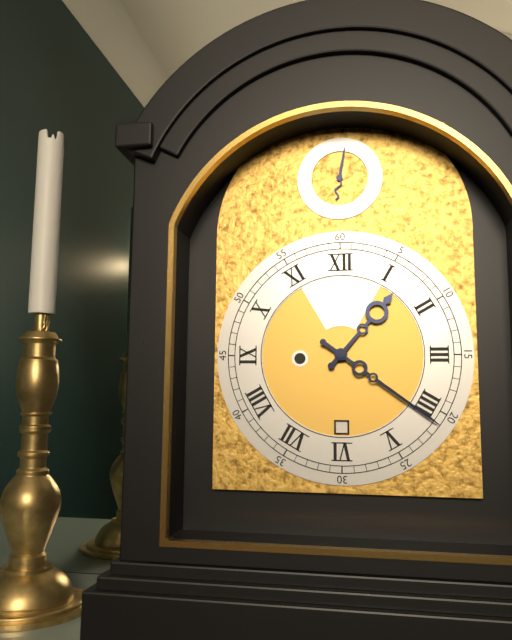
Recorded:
1,21
